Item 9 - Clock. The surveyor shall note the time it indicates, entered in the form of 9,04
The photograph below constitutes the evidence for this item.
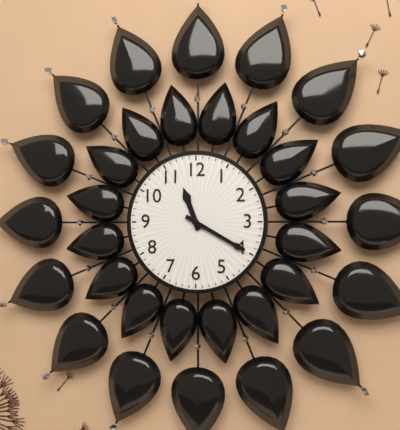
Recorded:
11,20
